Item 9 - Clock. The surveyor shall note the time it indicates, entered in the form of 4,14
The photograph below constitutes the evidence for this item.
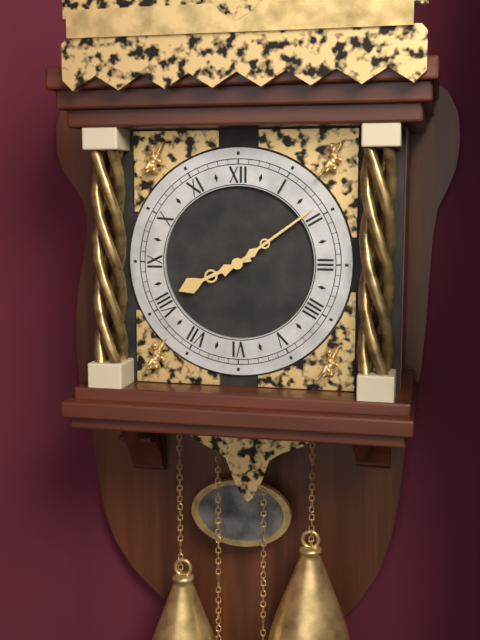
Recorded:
8,09
